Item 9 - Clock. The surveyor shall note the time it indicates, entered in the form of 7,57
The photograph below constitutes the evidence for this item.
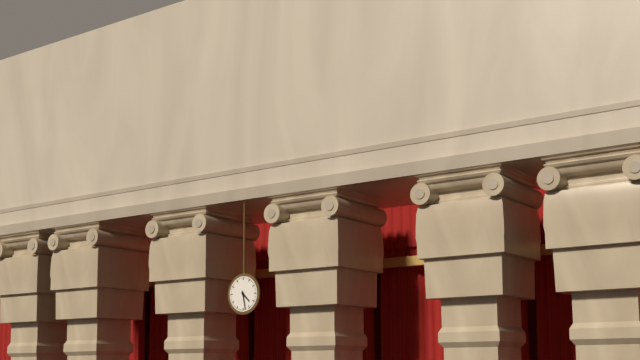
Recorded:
4,28
